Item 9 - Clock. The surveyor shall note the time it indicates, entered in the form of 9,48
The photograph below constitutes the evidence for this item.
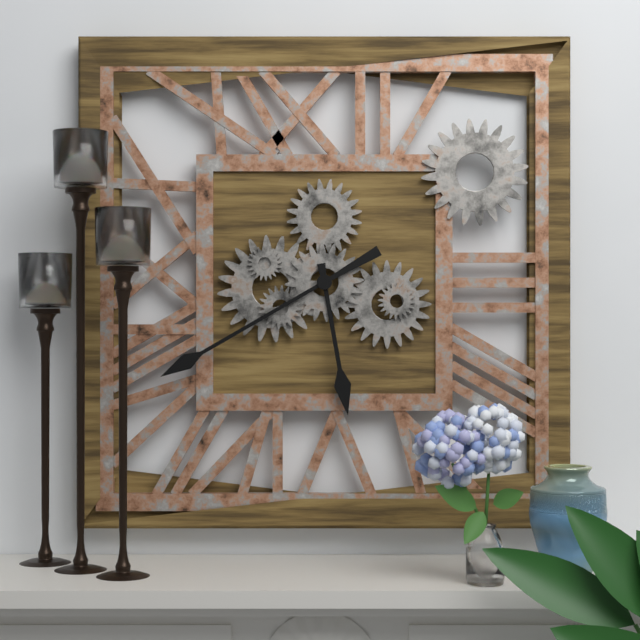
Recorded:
5,40
